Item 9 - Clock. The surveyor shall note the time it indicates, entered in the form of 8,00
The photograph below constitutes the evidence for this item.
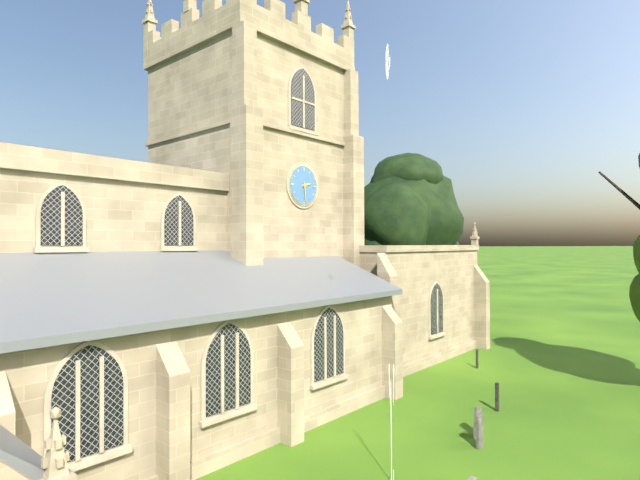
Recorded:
2,29
